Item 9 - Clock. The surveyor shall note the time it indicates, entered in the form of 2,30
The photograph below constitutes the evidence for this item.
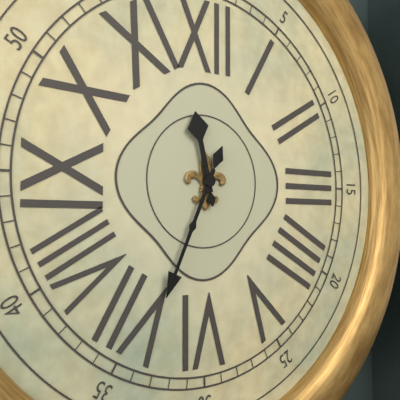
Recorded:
11,34
